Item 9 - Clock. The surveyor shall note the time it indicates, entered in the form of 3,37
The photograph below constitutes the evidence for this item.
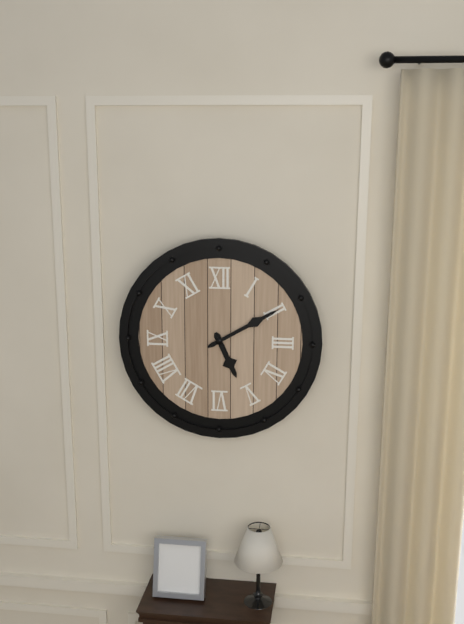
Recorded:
5,10
